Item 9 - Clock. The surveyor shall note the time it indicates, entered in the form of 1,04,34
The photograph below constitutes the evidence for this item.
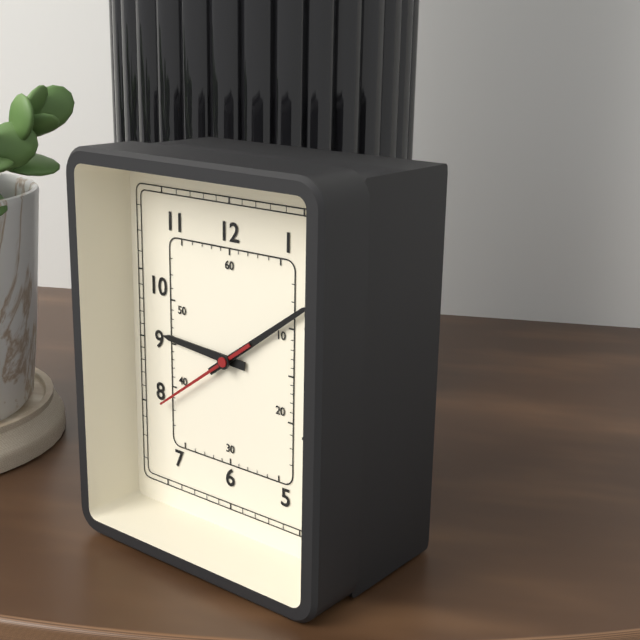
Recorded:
9,09,39
